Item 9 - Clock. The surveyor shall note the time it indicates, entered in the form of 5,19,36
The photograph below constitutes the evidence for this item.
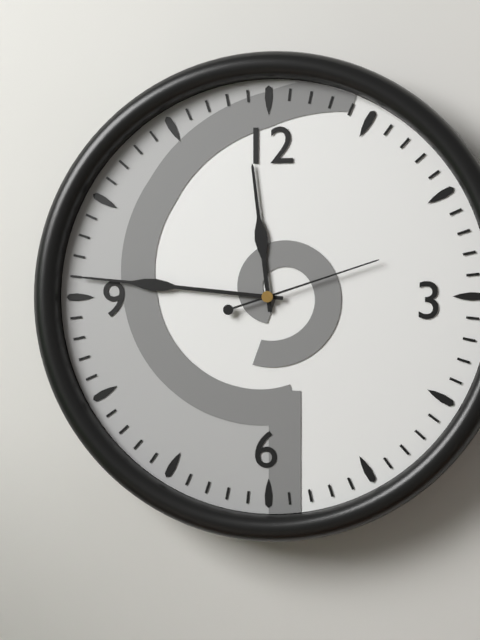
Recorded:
11,46,12
